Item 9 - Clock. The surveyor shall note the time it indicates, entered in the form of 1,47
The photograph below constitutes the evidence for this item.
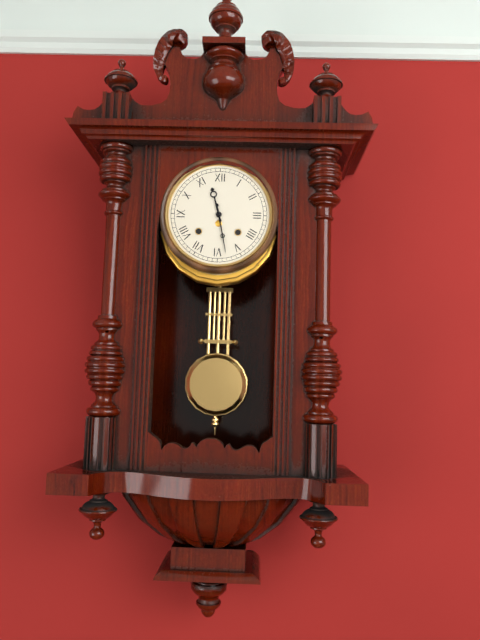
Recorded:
11,28
